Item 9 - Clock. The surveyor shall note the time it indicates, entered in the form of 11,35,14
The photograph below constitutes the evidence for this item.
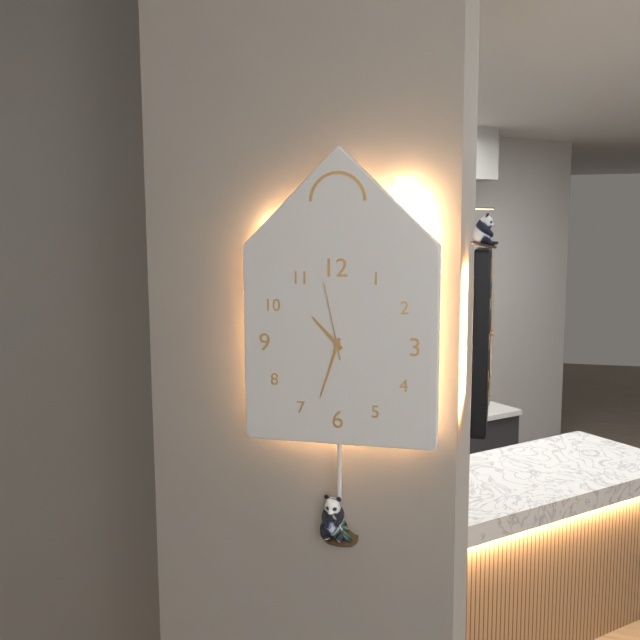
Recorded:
10,33,58
